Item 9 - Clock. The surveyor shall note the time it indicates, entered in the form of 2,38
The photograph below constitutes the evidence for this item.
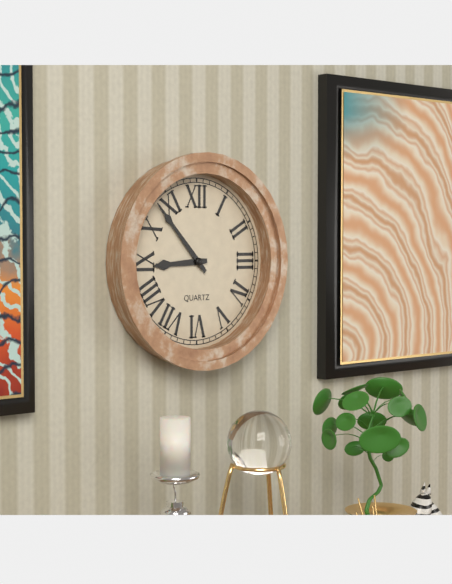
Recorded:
8,53
